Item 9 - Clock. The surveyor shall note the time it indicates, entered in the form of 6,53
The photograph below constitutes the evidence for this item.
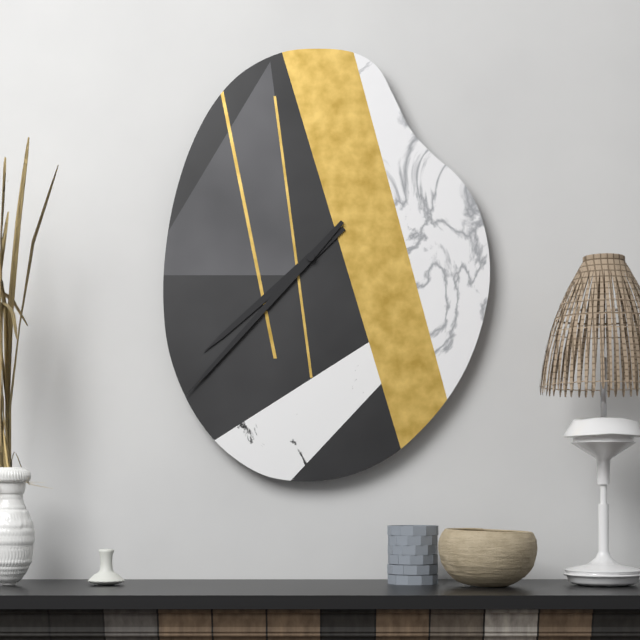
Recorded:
7,37
